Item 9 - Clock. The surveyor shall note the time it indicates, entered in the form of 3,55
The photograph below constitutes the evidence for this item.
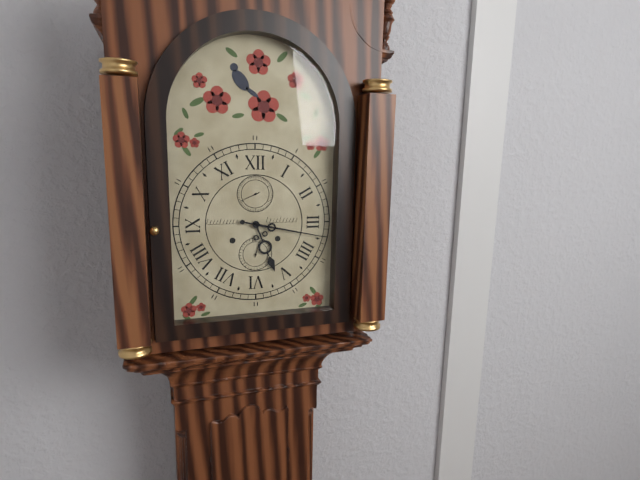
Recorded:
5,17
